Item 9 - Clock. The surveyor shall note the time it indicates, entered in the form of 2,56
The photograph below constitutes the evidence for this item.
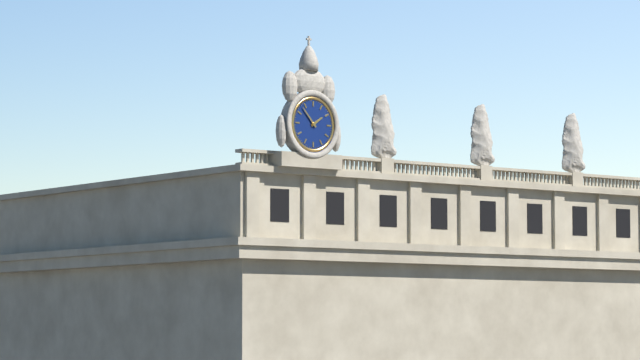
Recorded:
1,53
